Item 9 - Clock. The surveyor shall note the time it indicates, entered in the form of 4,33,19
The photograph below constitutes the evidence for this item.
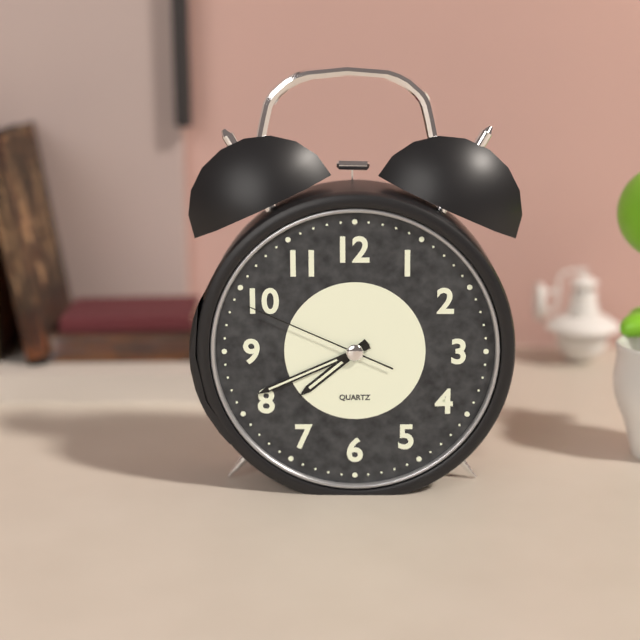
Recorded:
7,41,49
